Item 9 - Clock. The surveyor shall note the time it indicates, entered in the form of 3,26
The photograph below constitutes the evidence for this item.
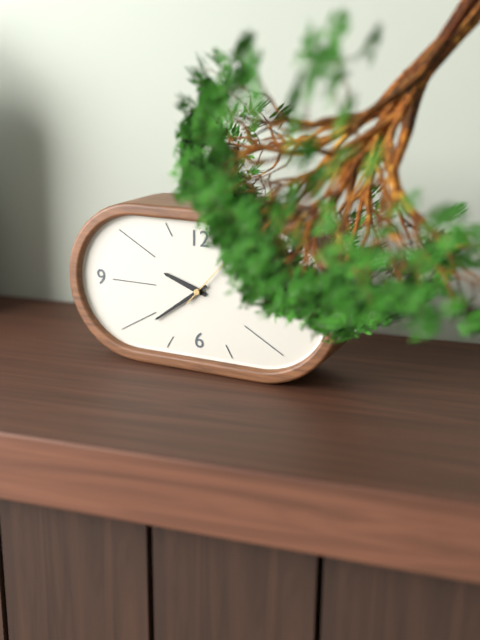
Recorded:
9,39
